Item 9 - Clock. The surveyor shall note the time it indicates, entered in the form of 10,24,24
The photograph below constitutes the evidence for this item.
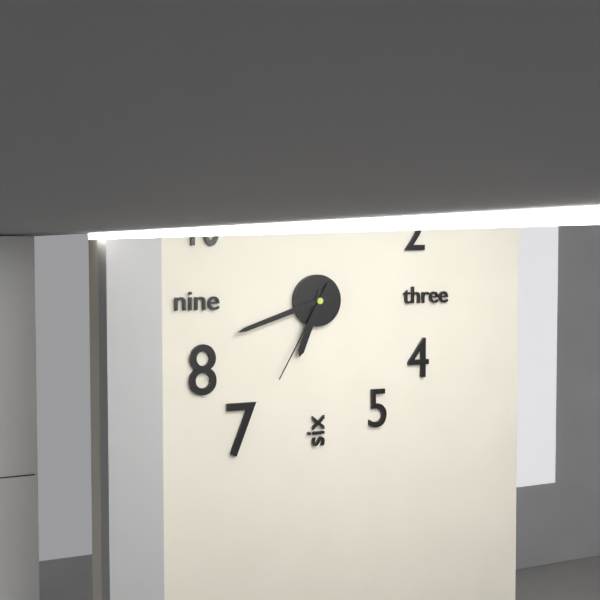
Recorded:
6,42,35
